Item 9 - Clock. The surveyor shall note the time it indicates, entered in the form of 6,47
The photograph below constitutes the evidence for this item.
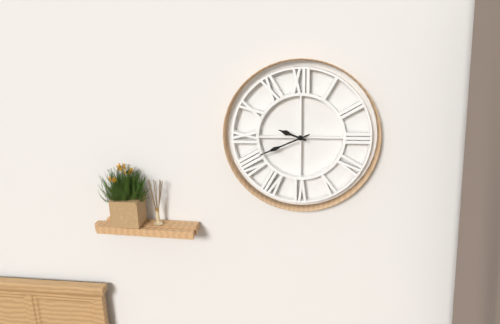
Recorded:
9,41
